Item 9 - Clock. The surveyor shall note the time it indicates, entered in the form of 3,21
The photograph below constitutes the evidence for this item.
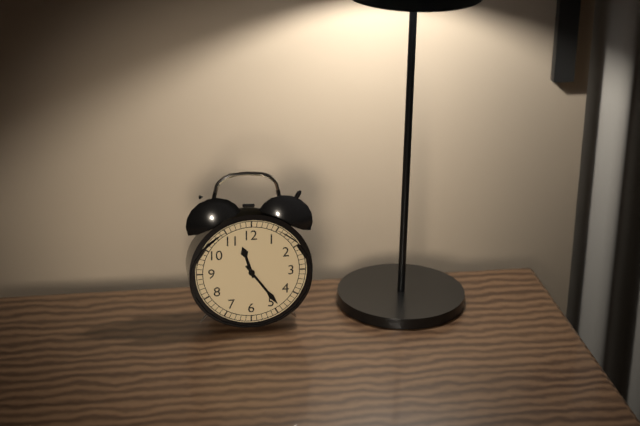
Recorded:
11,24
